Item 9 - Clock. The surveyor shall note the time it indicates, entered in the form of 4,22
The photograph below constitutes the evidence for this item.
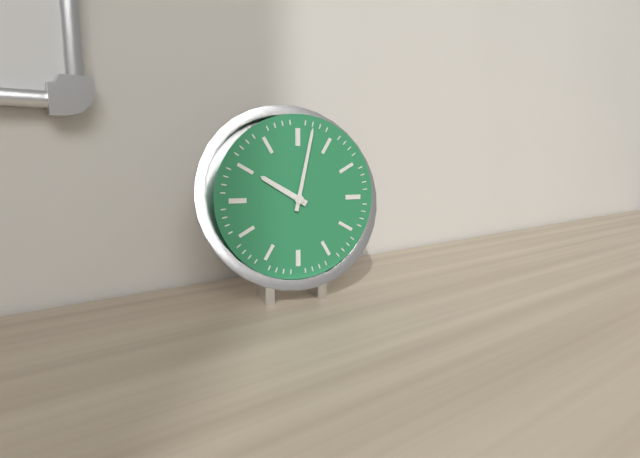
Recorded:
10,02
